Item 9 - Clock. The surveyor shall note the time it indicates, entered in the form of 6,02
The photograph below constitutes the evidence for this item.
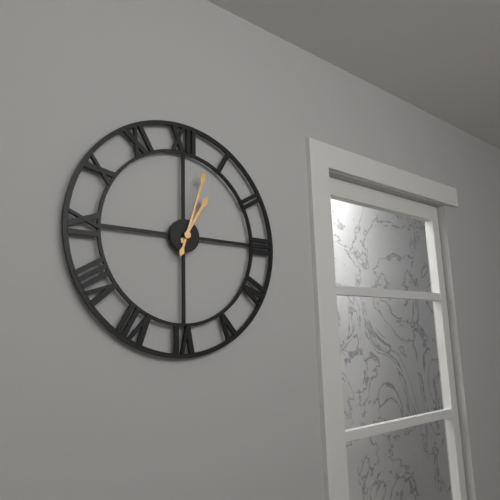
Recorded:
1,03
